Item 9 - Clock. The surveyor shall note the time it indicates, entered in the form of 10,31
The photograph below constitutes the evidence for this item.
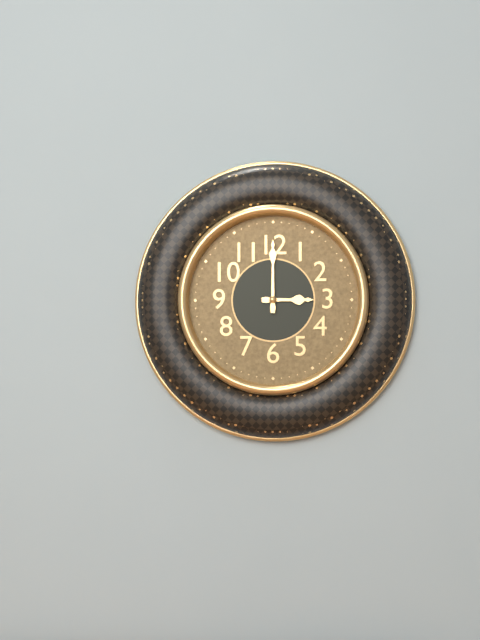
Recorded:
3,00
